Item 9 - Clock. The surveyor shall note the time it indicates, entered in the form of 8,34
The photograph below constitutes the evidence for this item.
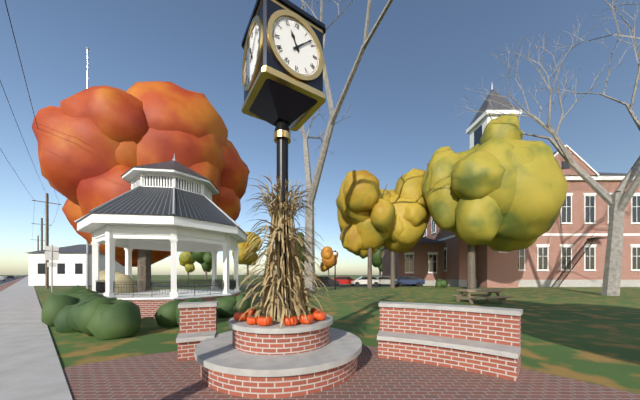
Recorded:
11,08
